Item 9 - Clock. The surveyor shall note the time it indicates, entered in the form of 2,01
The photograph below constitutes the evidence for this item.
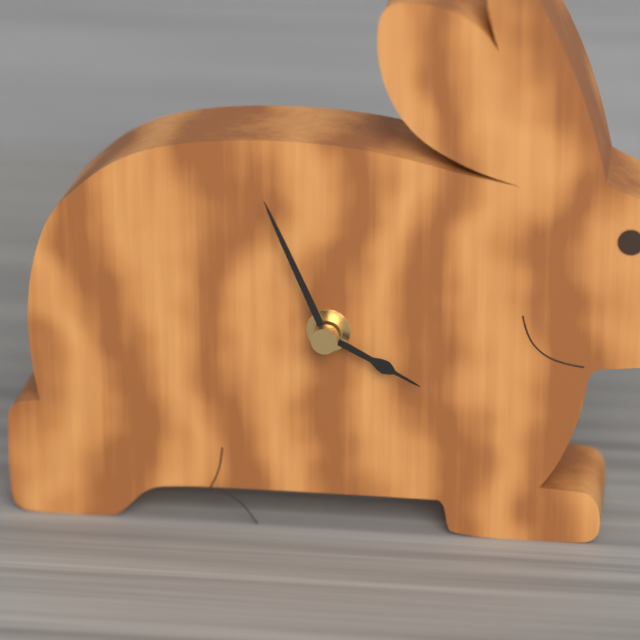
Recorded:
3,56
